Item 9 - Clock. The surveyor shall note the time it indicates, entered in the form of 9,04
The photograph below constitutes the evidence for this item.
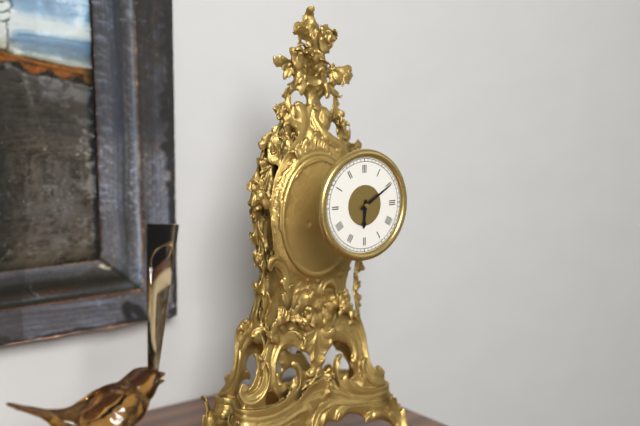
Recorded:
6,10
